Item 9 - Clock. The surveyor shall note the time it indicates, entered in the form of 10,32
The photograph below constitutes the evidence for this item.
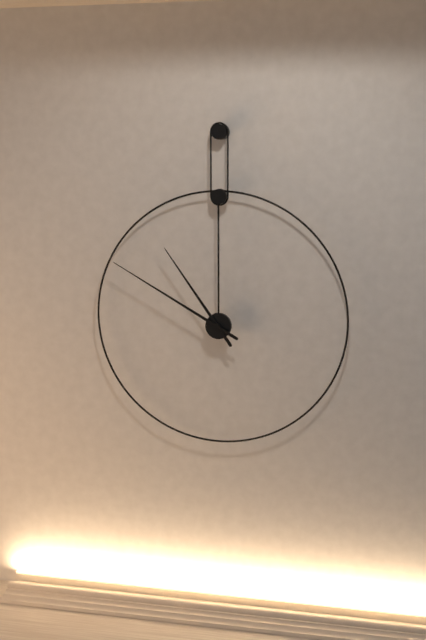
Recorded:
10,50
